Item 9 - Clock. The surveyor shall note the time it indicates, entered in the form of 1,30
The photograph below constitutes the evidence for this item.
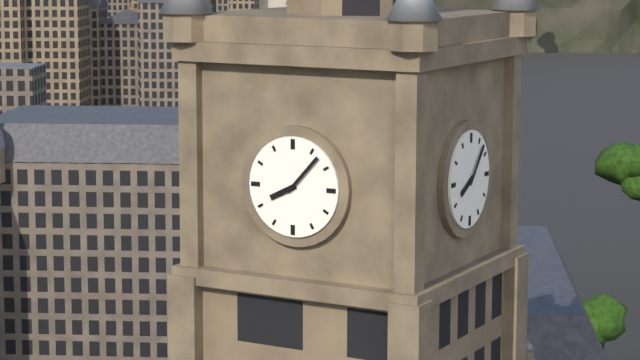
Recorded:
8,07
